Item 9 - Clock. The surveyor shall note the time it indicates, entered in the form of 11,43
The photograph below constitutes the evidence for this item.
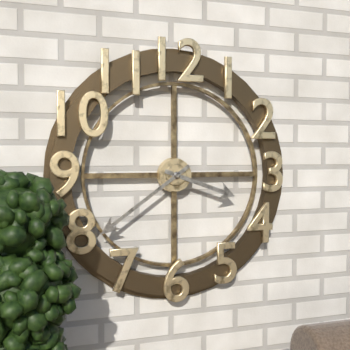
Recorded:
3,39
